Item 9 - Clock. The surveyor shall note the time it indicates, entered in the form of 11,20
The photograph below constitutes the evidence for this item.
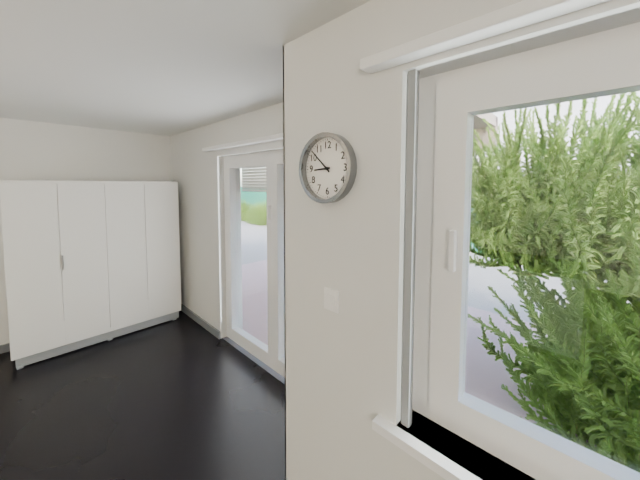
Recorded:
8,52
